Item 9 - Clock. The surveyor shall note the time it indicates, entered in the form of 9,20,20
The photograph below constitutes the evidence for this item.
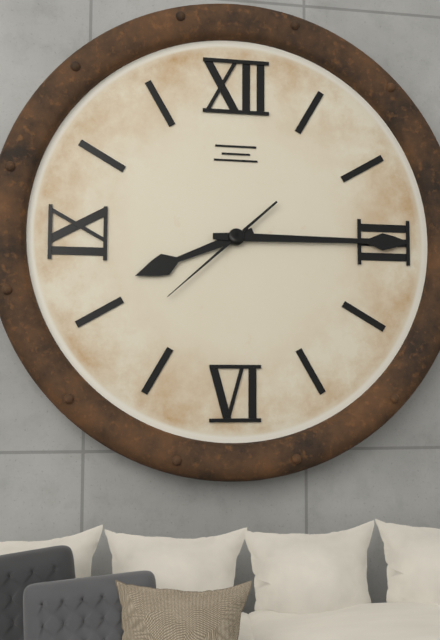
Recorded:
8,15,38
